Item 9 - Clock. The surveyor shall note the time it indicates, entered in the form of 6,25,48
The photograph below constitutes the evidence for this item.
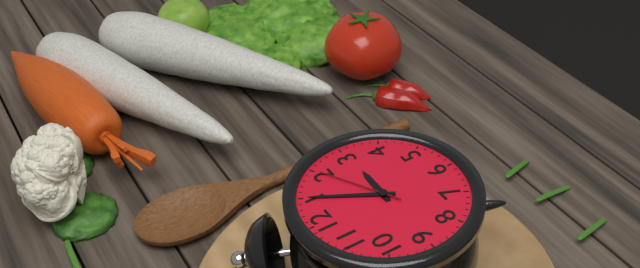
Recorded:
3,05,10
